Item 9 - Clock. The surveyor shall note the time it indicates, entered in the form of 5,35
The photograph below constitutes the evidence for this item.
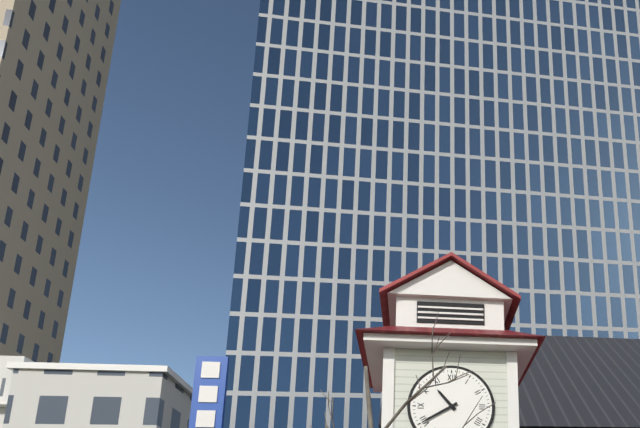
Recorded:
10,40
